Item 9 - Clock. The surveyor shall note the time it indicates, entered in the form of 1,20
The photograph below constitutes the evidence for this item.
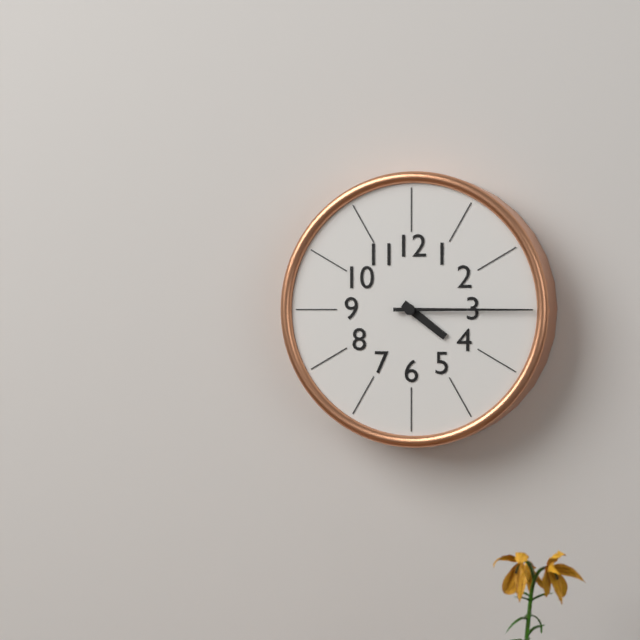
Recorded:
4,15
